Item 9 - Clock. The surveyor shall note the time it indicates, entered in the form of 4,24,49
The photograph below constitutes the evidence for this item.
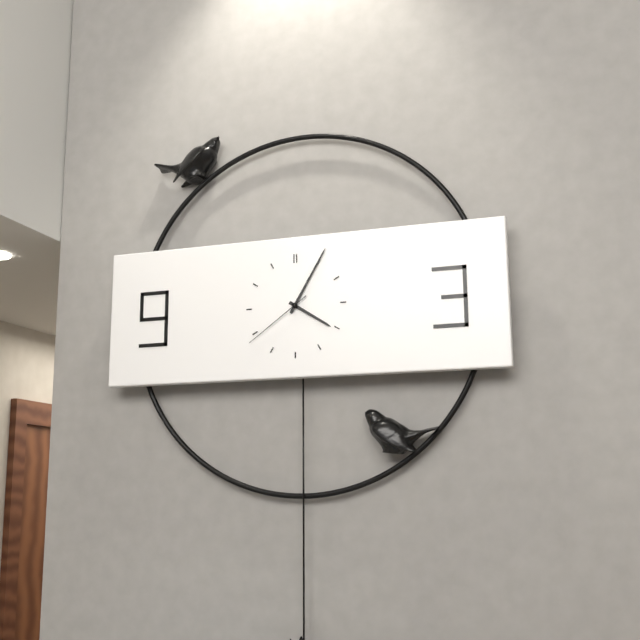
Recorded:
4,05,39
